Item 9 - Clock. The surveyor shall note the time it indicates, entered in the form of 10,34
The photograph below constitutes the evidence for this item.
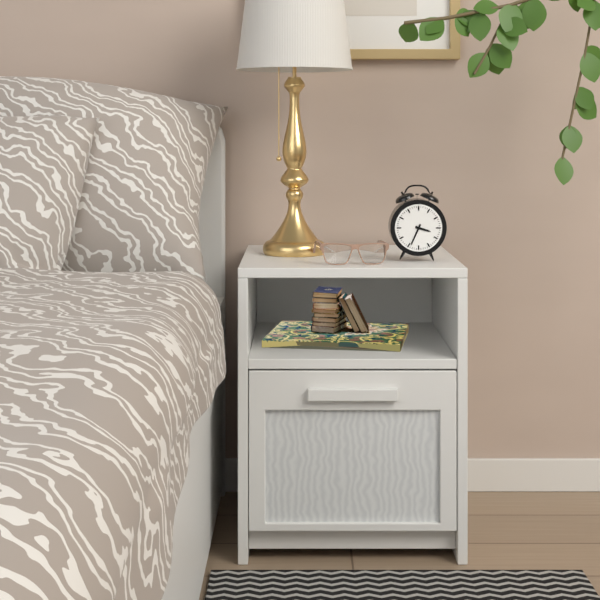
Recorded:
3,34
